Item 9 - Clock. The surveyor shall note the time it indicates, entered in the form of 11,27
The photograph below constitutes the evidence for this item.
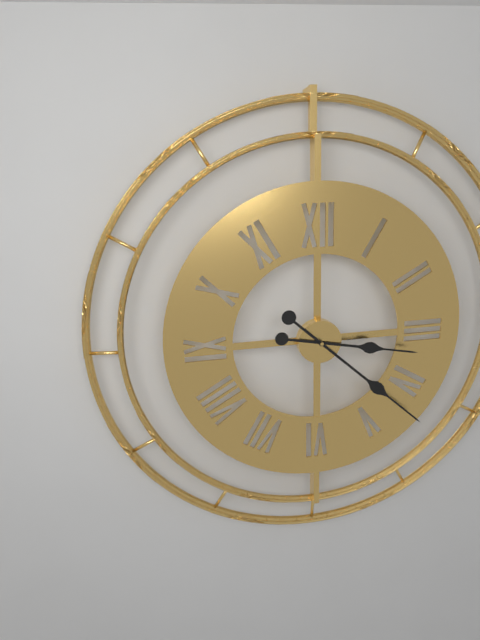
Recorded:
3,22
